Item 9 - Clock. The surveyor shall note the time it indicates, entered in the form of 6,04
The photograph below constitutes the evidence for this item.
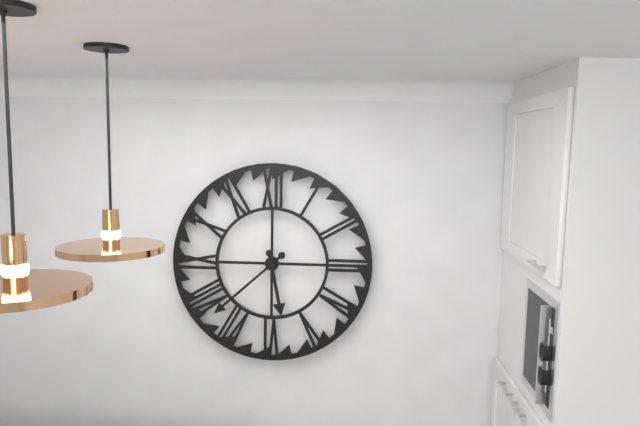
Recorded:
5,38
